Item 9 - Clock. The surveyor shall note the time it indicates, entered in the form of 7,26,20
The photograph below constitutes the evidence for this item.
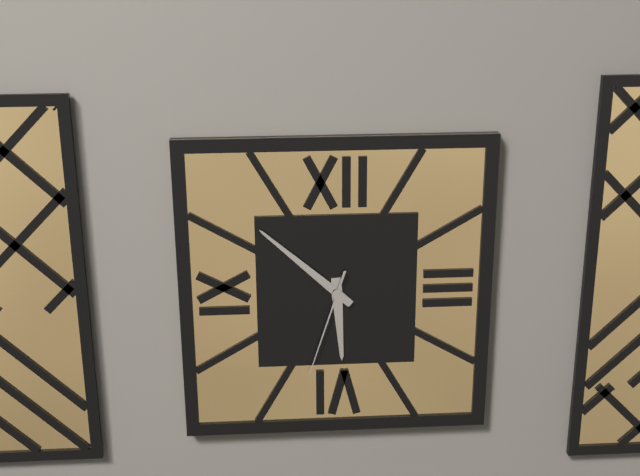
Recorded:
5,52,33
